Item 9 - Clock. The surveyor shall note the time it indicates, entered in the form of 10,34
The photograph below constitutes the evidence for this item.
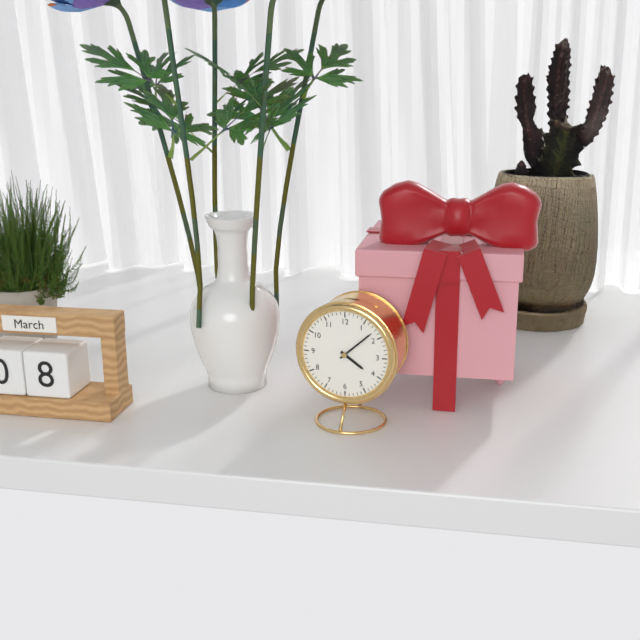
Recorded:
4,08
